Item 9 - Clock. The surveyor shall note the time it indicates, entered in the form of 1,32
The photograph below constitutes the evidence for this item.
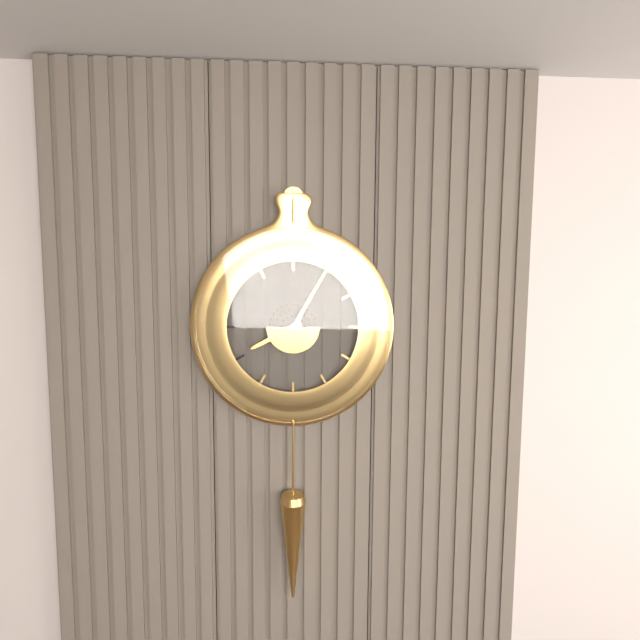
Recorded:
8,05
